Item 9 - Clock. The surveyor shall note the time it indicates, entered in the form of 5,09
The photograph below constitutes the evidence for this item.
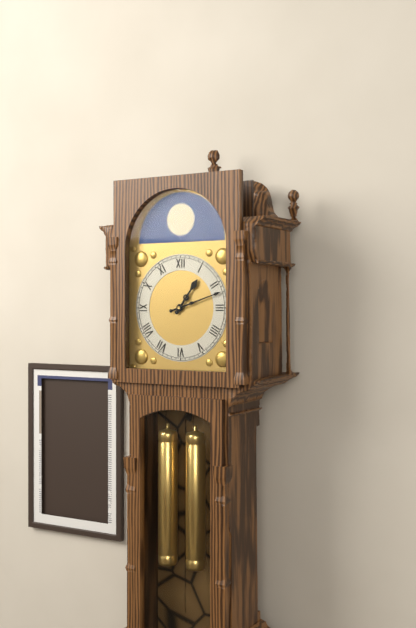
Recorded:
1,12
